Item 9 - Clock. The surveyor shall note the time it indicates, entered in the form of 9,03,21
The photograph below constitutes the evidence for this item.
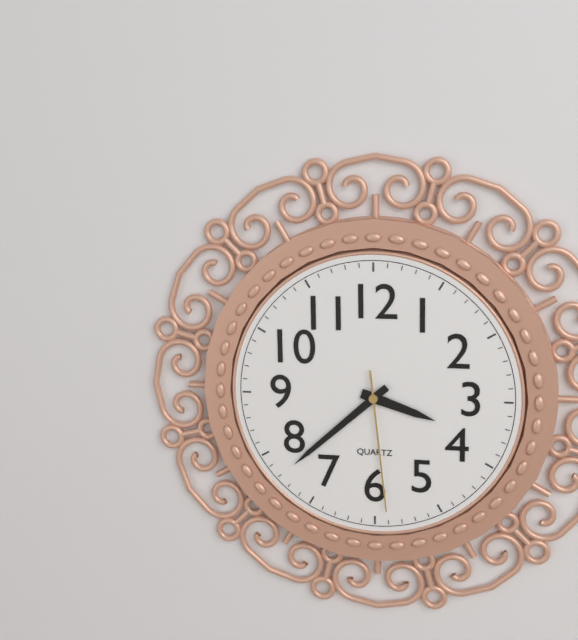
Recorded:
3,38,29
